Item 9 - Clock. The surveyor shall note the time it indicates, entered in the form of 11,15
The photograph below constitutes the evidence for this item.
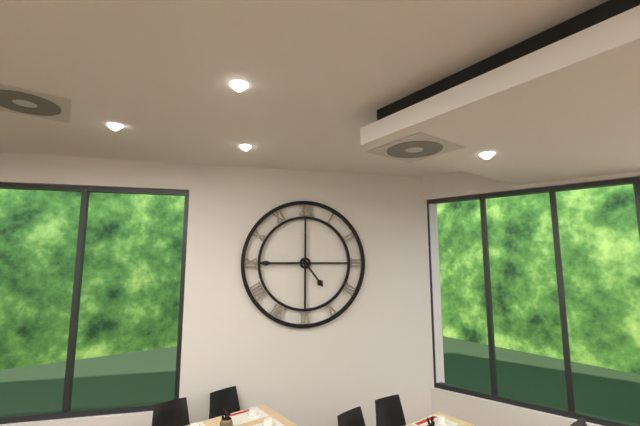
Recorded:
4,45
